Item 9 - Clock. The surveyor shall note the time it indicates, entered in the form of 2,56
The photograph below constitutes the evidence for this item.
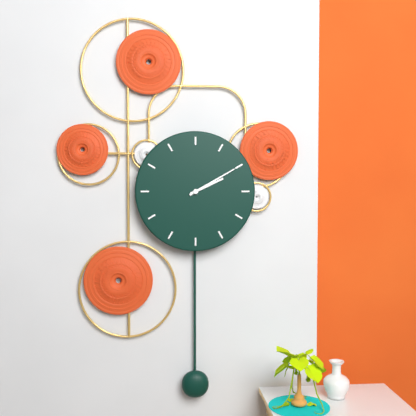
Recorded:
2,10
